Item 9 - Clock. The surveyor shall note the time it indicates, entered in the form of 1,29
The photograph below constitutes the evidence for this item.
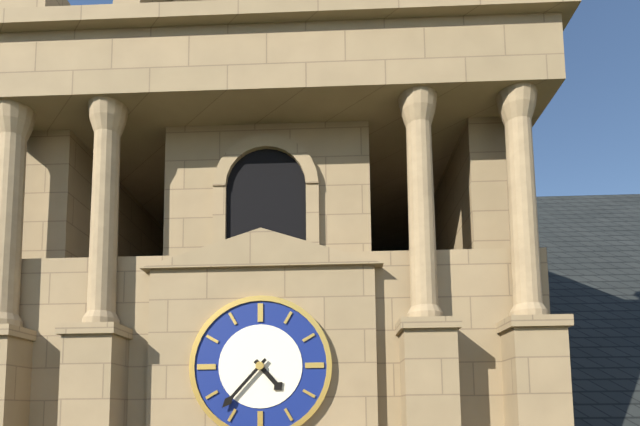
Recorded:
4,37
